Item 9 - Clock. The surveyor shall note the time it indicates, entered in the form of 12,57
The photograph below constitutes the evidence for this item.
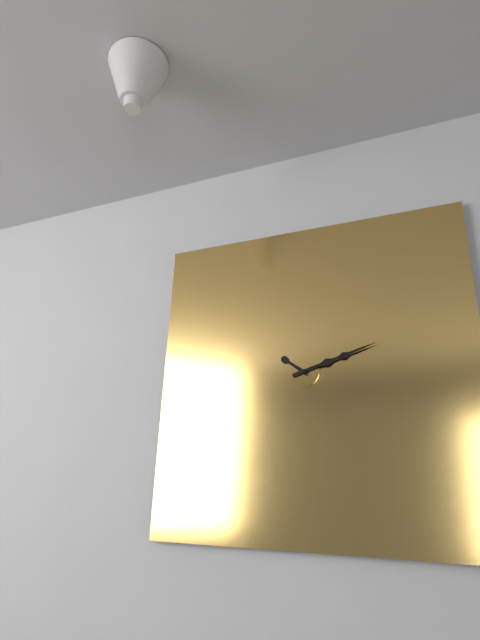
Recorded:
10,12
